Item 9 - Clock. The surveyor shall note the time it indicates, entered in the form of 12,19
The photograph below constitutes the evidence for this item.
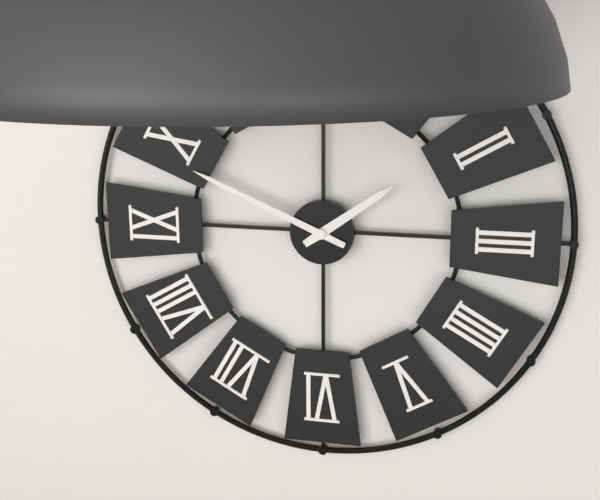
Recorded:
1,49
